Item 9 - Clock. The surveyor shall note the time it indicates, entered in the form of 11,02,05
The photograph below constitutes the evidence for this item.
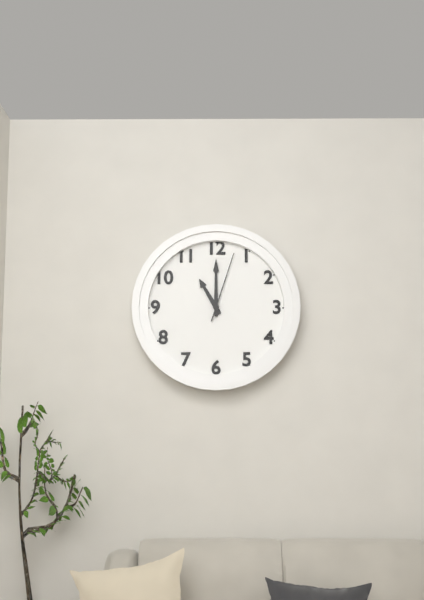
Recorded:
11,00,03
